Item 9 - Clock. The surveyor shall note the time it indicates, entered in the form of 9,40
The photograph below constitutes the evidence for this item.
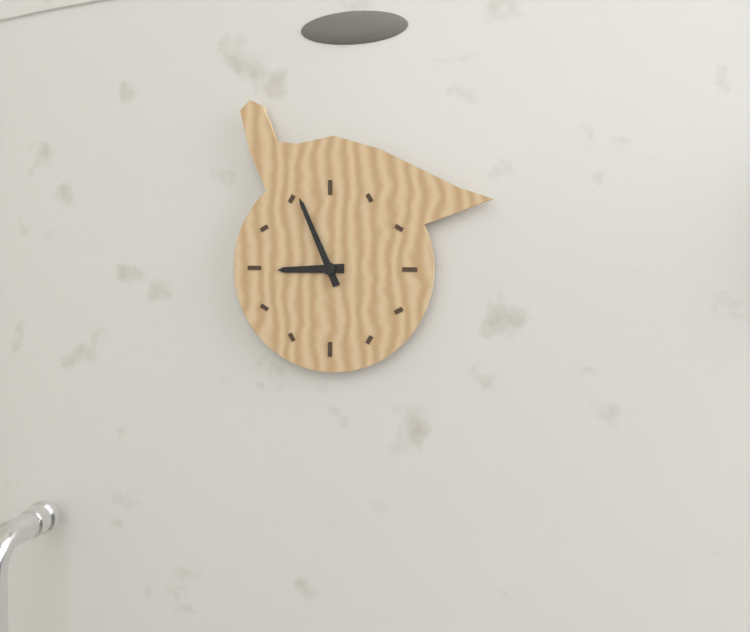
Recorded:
8,56
